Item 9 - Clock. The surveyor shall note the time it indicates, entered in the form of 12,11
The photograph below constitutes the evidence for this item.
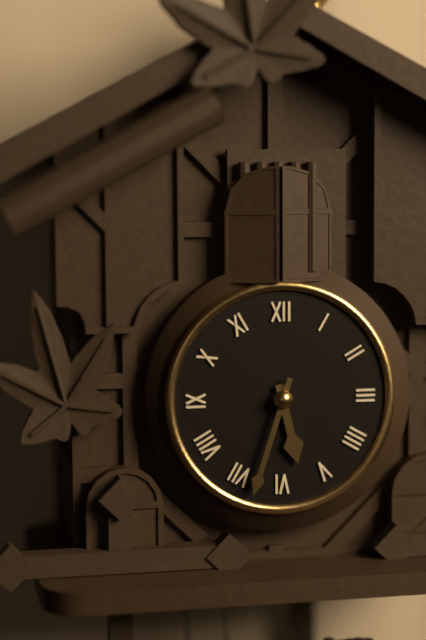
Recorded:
5,33
